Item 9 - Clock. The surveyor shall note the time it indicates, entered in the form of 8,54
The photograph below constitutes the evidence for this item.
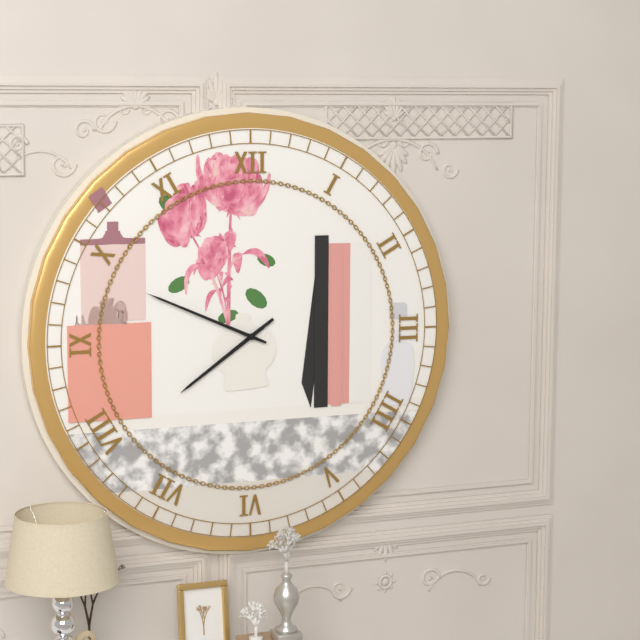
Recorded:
7,49
